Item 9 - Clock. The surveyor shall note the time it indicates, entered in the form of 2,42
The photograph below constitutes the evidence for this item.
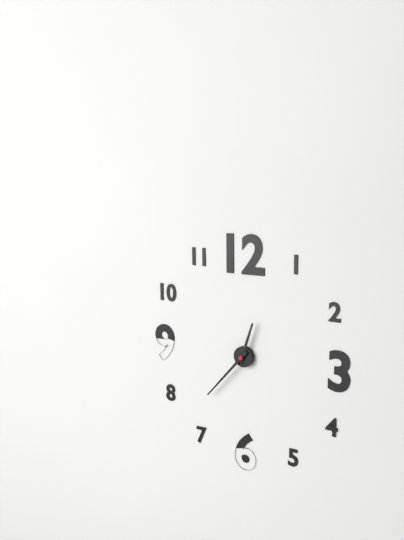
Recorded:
12,37
